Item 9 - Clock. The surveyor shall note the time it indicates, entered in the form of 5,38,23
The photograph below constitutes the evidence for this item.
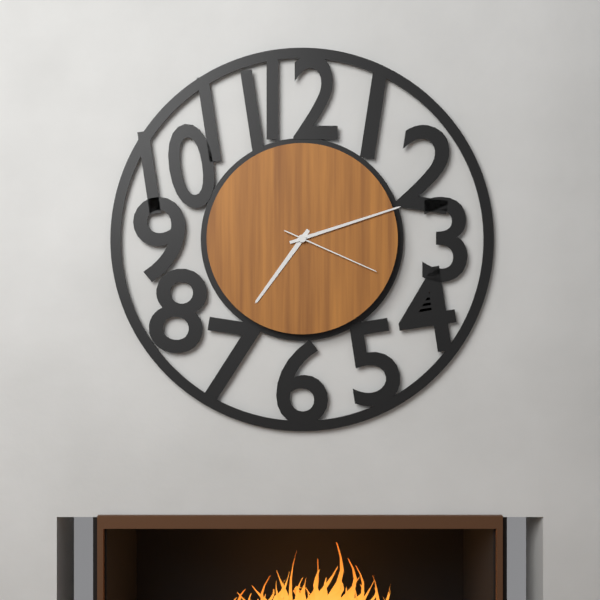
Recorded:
7,12,19
